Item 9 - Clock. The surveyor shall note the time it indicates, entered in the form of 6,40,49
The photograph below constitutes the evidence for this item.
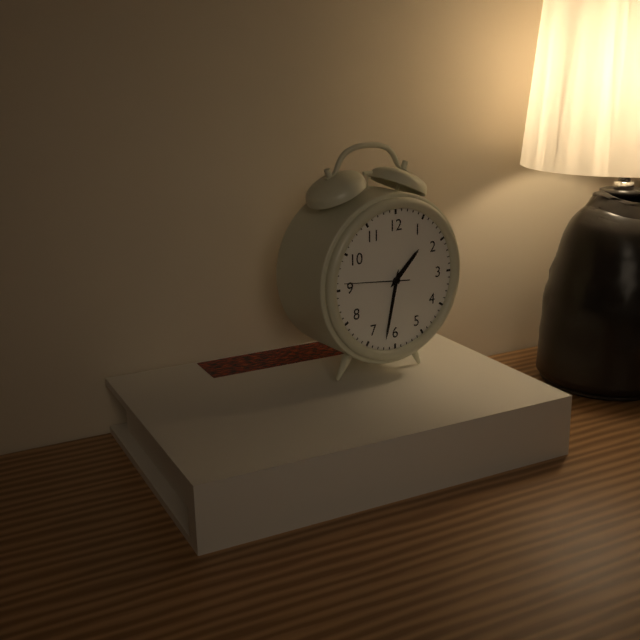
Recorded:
1,32,46
